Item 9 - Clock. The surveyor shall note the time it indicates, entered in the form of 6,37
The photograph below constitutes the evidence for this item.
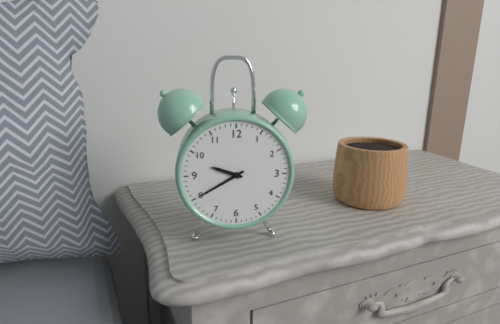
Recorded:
9,40
